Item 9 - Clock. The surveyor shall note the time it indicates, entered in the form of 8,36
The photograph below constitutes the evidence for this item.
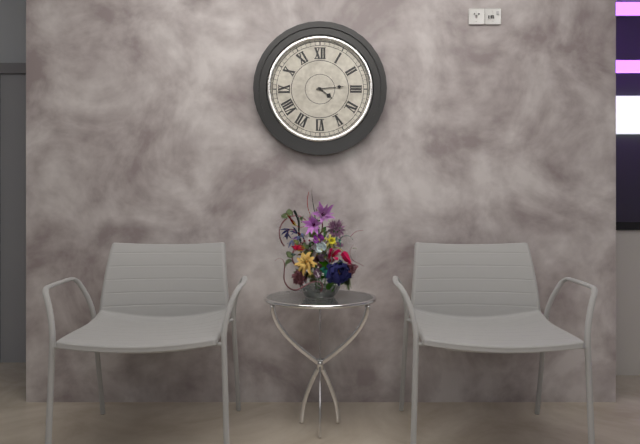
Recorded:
4,14
